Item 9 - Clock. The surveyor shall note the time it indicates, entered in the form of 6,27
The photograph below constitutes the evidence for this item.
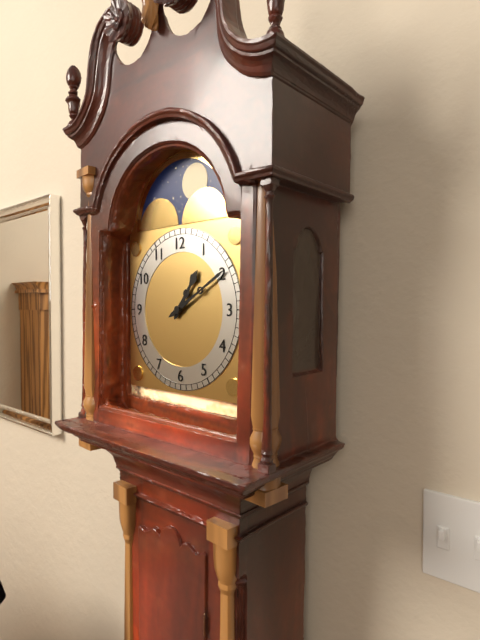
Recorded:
1,10
